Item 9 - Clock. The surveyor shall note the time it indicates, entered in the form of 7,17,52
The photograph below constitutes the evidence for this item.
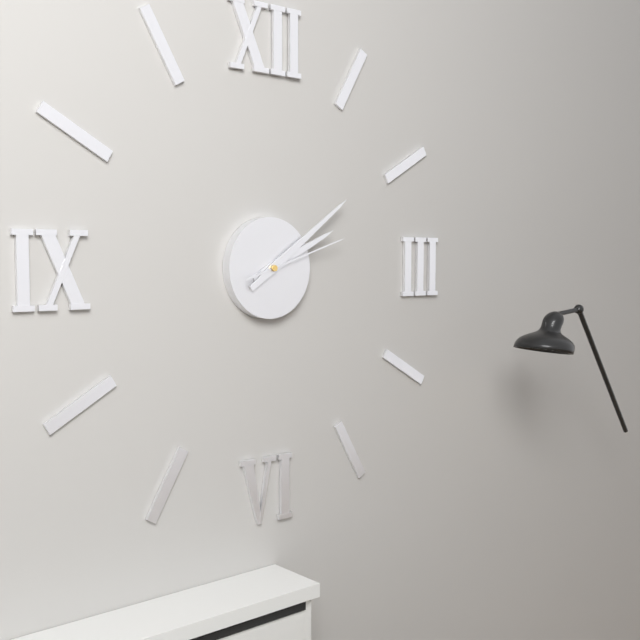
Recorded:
2,09,12
